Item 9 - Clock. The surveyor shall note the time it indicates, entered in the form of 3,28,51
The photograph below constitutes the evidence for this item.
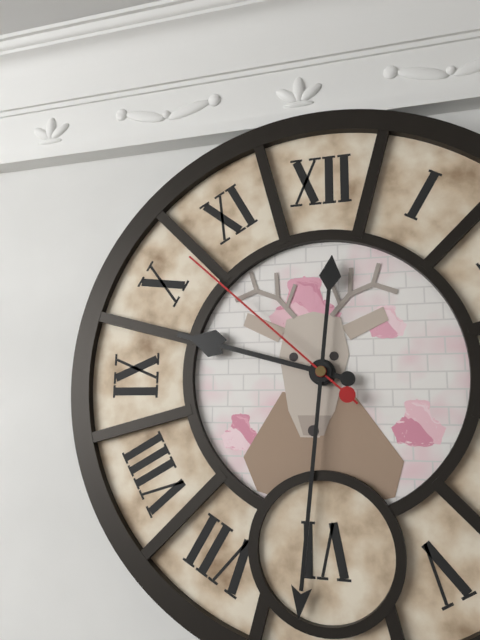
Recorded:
9,31,52
